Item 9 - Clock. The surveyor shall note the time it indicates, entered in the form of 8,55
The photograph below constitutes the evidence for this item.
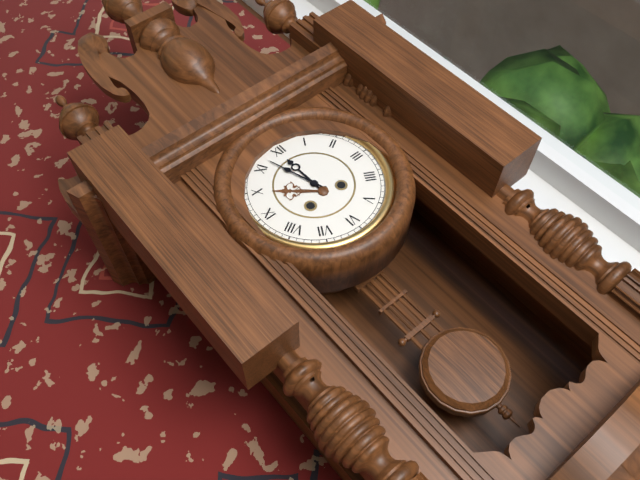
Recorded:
11,57
